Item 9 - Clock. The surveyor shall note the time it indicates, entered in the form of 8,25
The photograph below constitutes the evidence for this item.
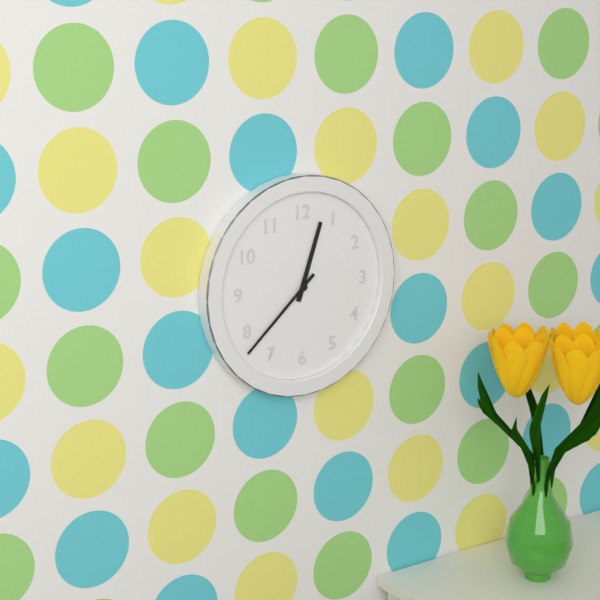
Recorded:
12,38
